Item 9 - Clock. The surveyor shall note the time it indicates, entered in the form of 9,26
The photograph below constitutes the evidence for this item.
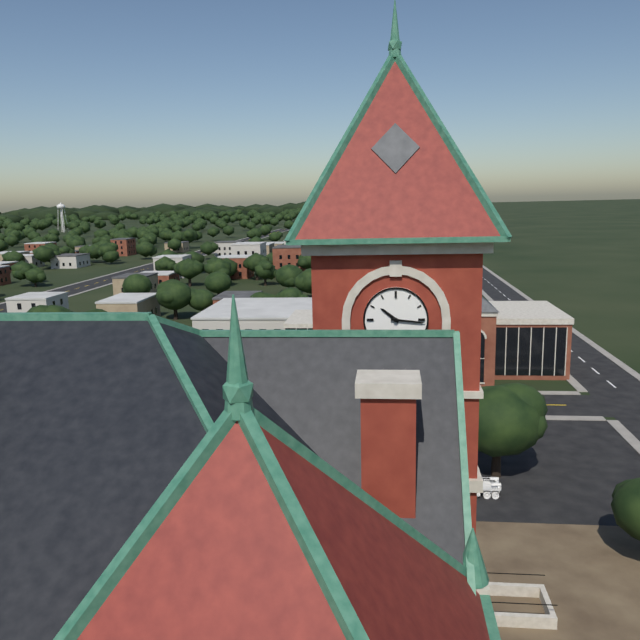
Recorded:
10,16
